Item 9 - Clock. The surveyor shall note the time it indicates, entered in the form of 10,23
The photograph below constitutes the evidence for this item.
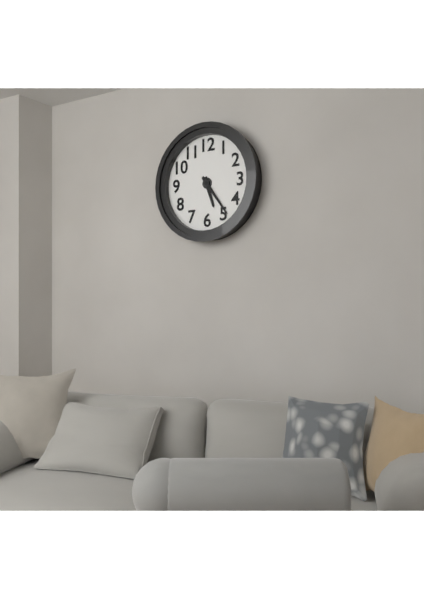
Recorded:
5,24
